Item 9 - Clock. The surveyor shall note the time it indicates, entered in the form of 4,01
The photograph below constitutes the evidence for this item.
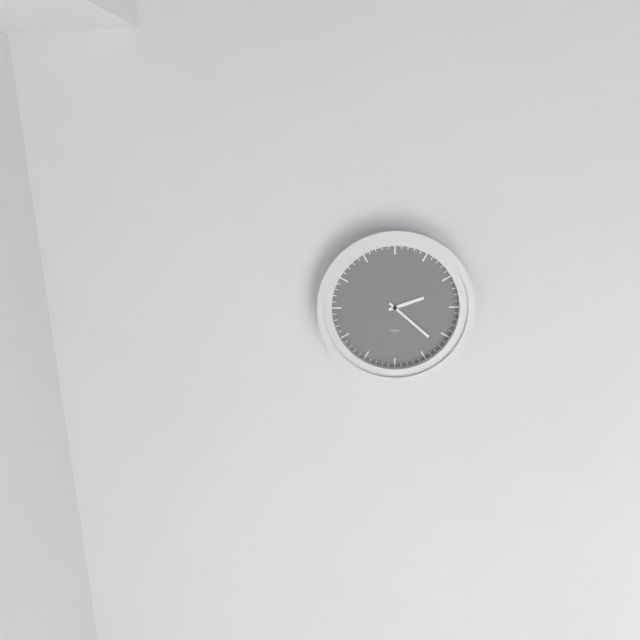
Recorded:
2,22
